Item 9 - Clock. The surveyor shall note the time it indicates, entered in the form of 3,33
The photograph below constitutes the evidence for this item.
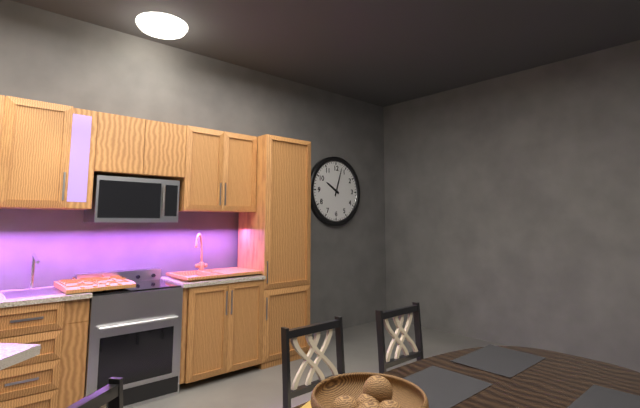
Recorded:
10,03
